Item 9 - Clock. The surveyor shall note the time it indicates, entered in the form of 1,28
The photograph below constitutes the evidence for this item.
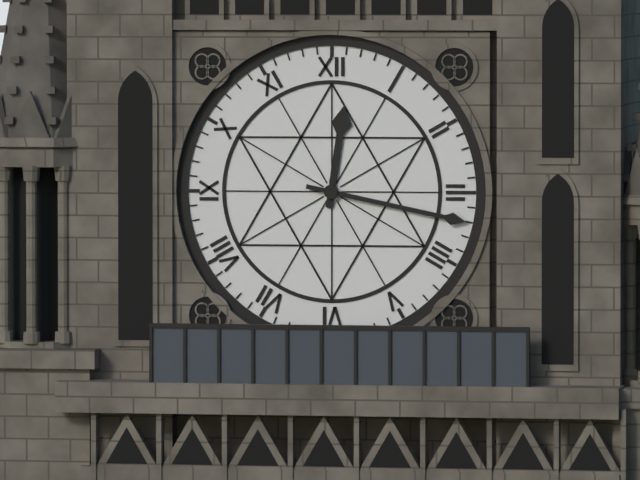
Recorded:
12,17
